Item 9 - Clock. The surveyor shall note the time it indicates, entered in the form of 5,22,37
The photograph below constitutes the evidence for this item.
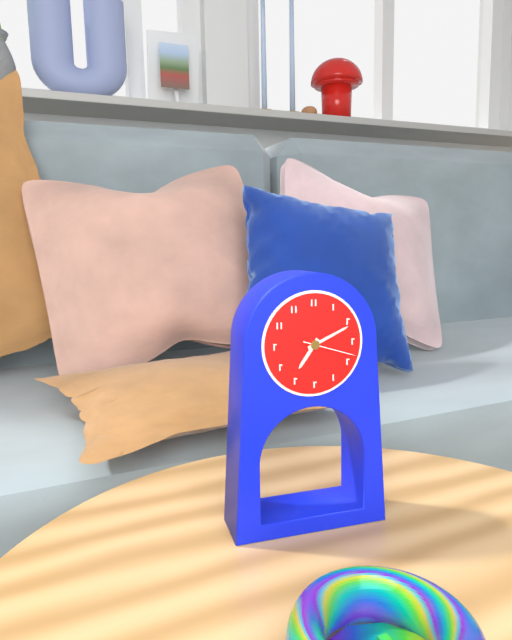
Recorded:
7,11,18
